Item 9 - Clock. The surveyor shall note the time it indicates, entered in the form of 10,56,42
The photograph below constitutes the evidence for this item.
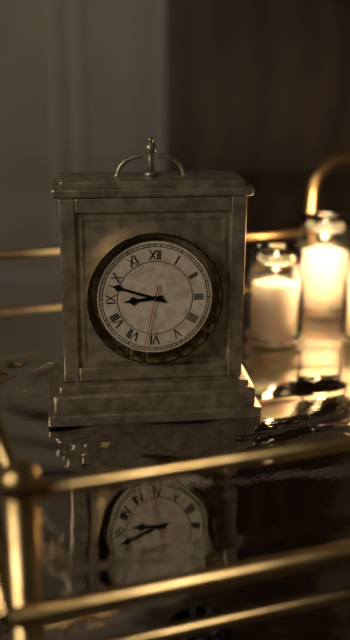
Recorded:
8,48,32
